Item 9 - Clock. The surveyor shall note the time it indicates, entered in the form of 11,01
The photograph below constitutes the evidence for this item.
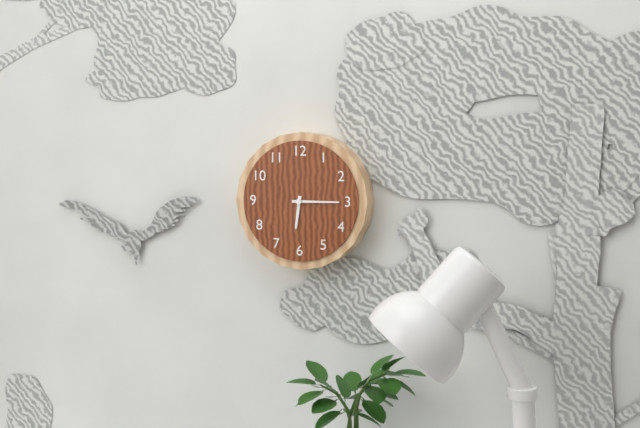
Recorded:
6,15
